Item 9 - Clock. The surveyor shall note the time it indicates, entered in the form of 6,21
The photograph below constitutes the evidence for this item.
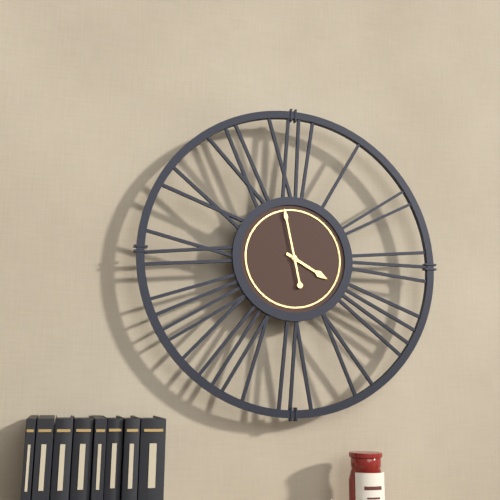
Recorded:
3,58
